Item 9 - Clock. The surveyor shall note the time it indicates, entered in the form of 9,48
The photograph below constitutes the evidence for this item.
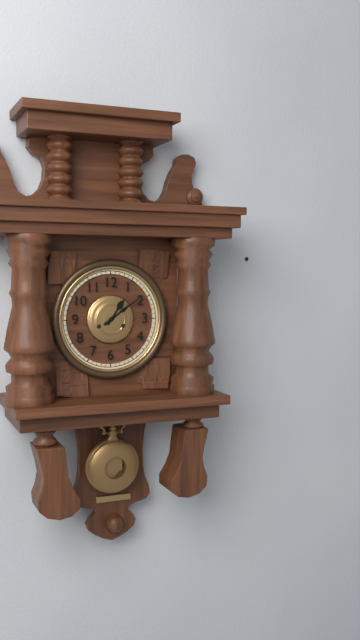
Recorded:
1,09
